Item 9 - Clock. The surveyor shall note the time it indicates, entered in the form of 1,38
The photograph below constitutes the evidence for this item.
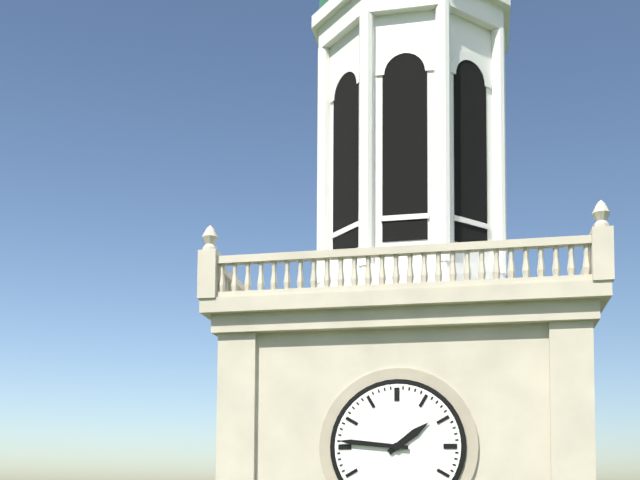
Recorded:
1,46
